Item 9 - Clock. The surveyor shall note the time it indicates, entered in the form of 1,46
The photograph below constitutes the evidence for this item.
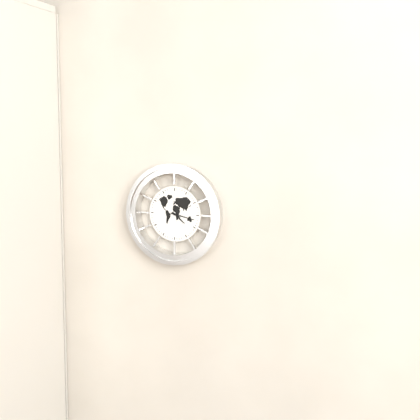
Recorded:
4,17
